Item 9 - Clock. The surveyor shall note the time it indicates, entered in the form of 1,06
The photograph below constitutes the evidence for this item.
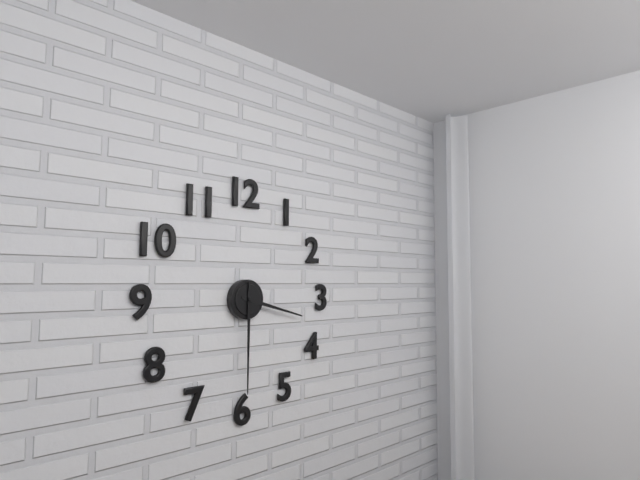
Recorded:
3,30
